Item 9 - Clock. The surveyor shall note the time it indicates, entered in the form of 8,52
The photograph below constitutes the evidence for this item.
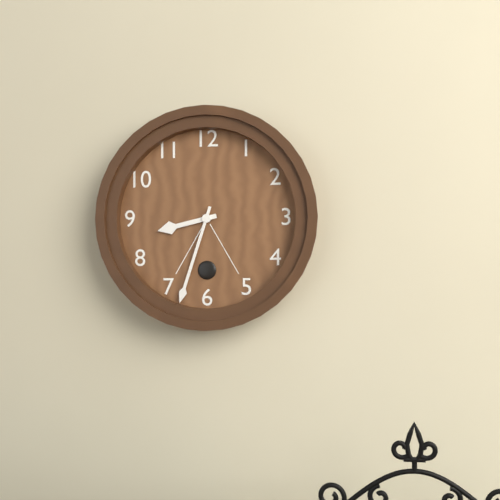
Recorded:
8,33
